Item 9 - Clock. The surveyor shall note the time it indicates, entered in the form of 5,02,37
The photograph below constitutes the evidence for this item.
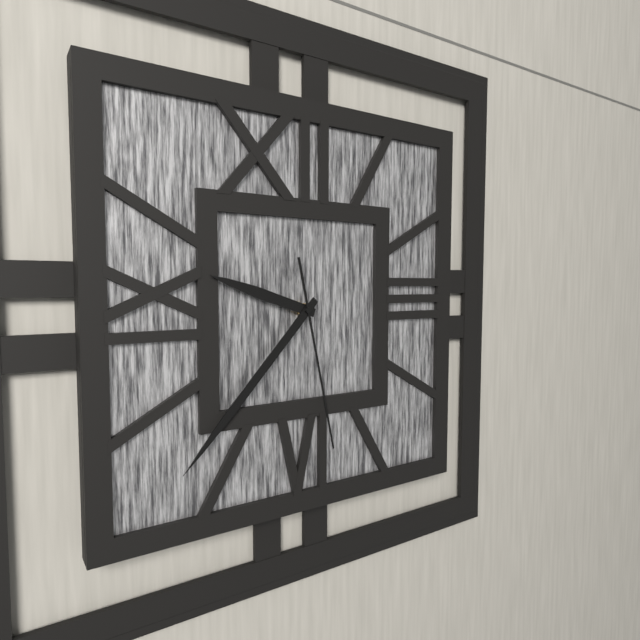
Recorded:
9,37,28
